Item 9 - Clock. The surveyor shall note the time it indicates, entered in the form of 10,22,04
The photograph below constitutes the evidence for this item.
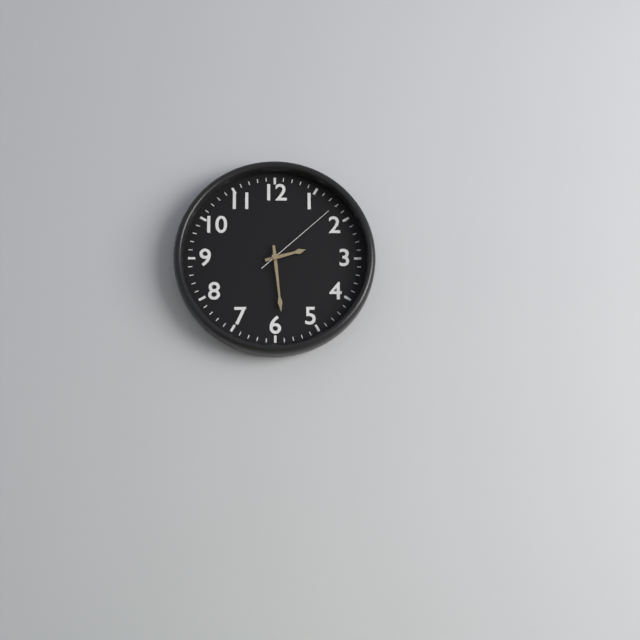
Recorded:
2,29,08
